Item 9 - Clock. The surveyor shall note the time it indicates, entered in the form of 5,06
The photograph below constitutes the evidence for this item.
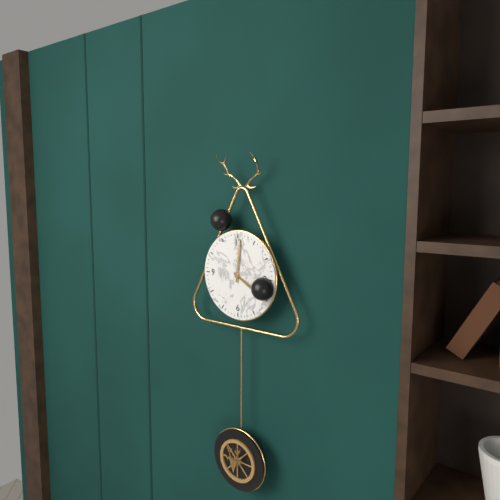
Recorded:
4,01
